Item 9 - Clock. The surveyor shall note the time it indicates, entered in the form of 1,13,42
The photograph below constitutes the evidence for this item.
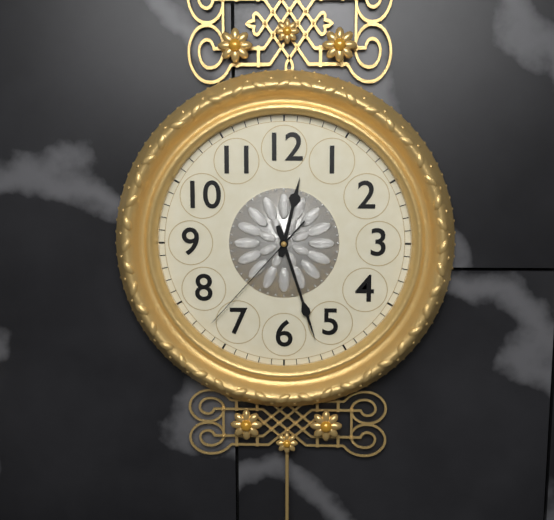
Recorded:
12,27,37
